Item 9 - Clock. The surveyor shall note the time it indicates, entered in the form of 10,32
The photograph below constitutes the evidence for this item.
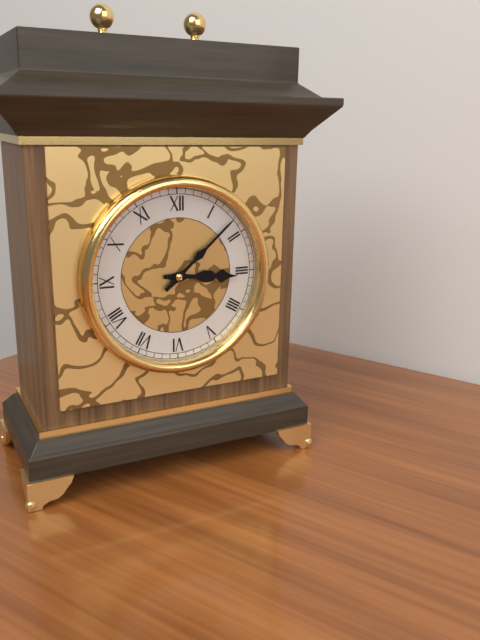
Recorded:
3,08
